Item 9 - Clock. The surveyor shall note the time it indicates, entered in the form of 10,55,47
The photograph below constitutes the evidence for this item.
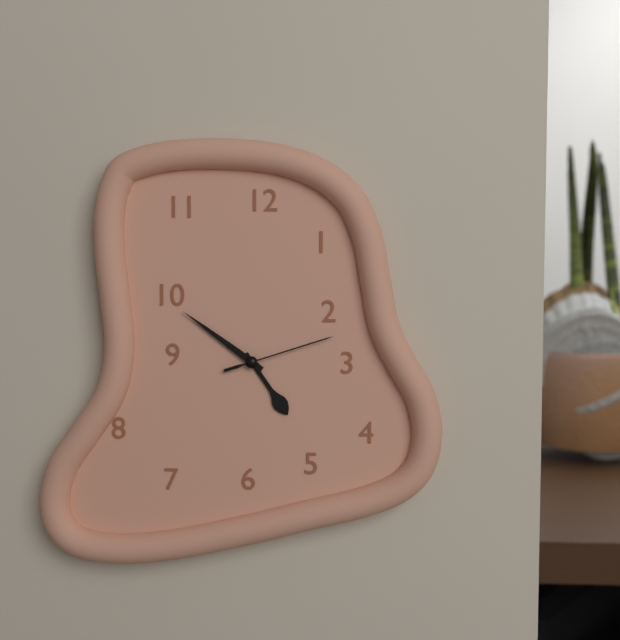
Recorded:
4,51,12
